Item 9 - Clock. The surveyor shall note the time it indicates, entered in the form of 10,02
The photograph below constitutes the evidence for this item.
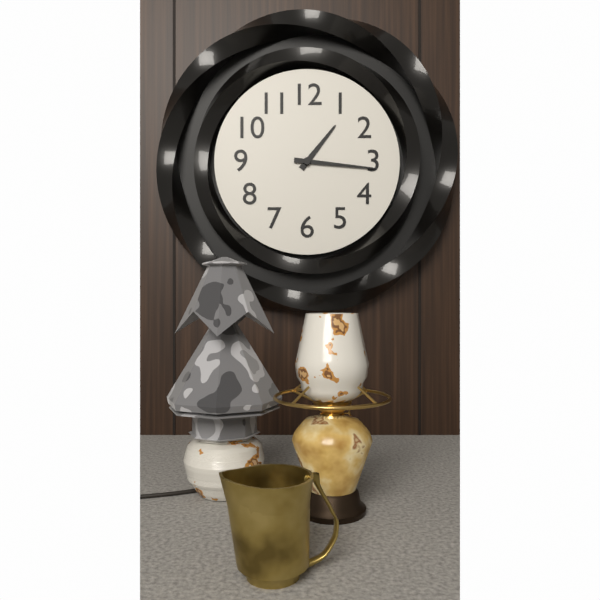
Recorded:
1,16
